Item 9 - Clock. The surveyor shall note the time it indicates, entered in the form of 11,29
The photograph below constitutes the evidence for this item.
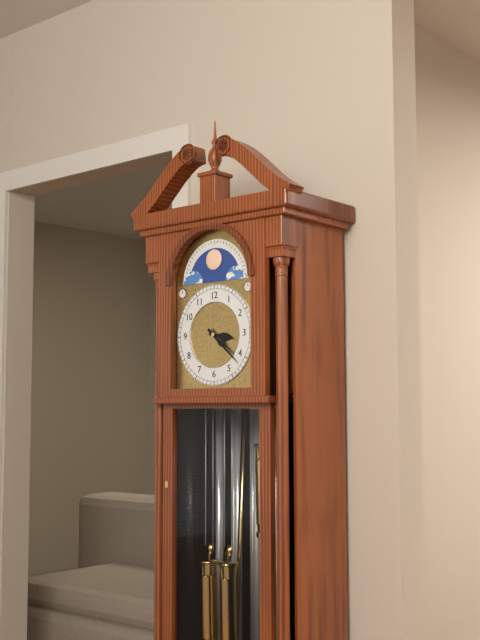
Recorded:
3,22
